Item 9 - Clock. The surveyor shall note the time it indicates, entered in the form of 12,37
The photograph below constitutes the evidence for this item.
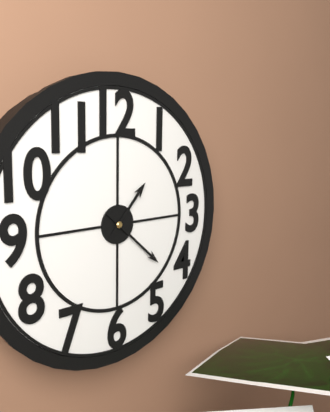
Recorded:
1,22
